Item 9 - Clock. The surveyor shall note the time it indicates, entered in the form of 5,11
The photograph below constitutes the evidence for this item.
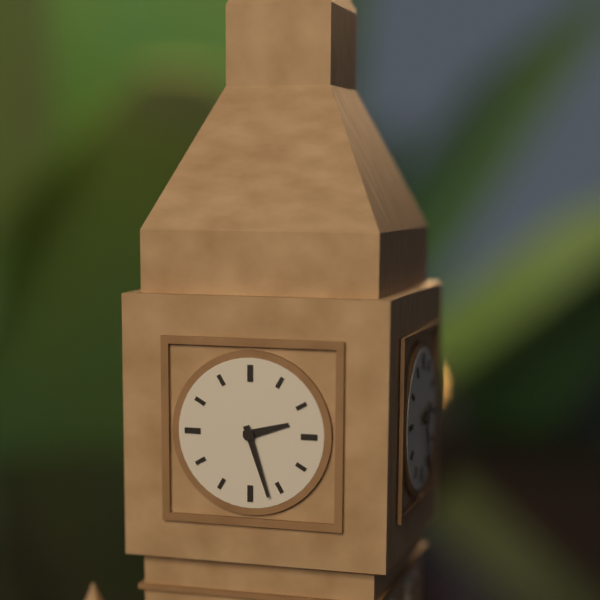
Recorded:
2,27
